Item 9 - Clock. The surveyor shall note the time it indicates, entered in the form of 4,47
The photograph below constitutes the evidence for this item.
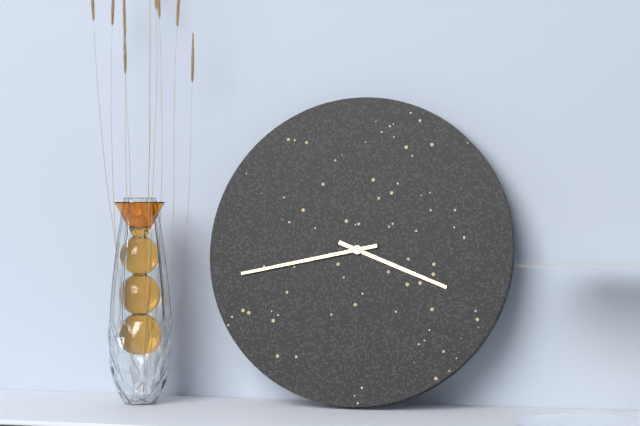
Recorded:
3,43
